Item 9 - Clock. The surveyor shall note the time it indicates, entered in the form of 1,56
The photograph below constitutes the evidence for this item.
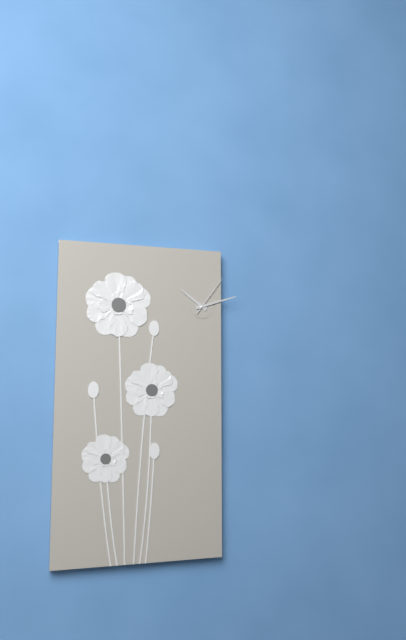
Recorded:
10,12
